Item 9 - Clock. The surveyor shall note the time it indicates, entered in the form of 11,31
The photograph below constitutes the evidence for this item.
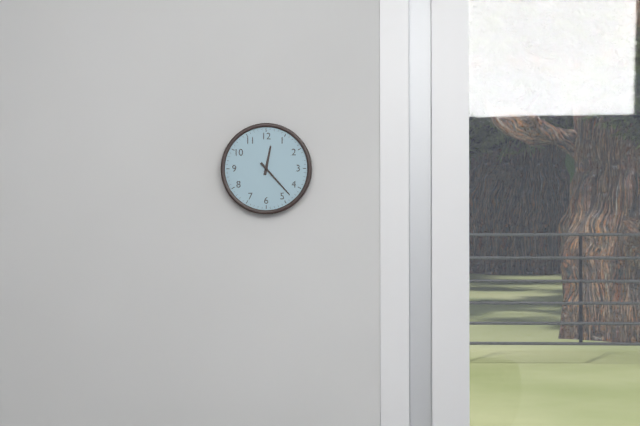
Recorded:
12,23
